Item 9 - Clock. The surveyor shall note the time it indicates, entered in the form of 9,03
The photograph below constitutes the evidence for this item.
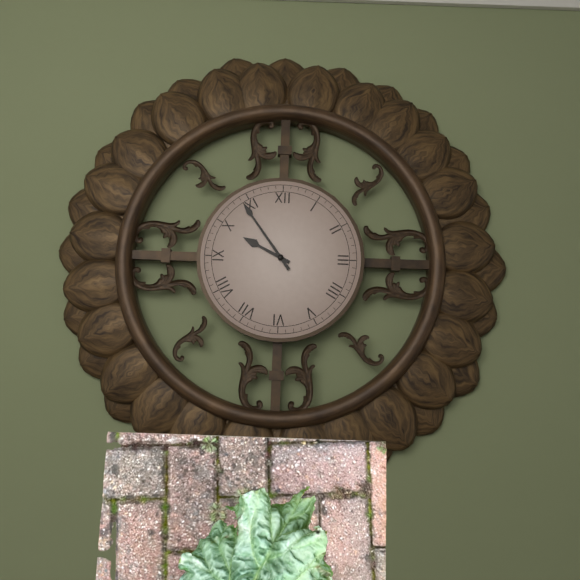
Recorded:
9,54
